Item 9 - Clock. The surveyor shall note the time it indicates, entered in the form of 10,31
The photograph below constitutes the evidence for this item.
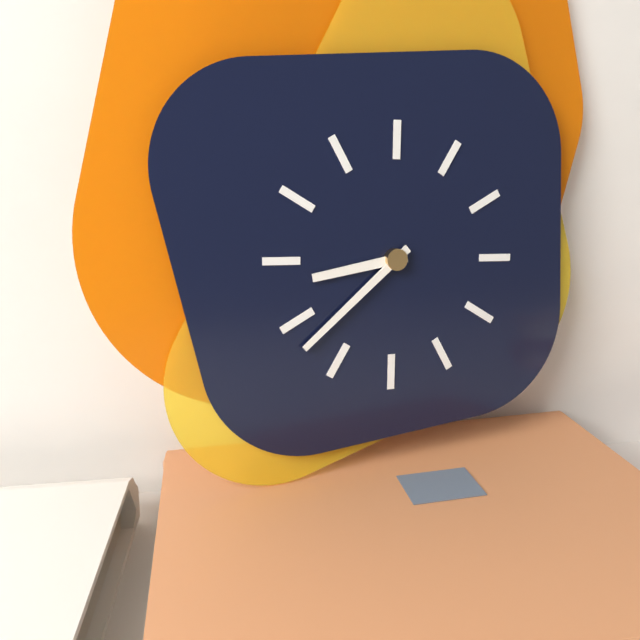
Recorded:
8,38
